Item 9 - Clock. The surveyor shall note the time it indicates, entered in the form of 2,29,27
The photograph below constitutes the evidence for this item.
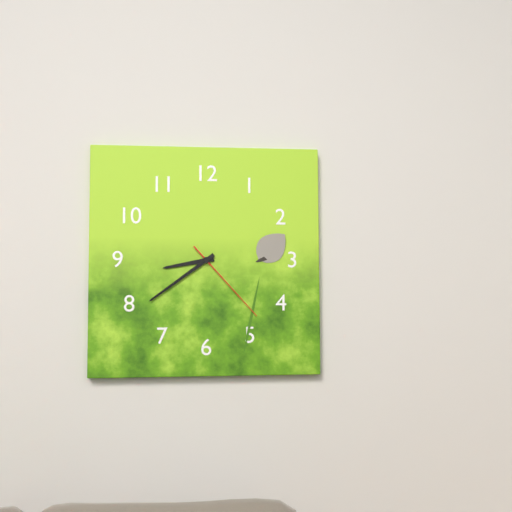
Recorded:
8,39,23
